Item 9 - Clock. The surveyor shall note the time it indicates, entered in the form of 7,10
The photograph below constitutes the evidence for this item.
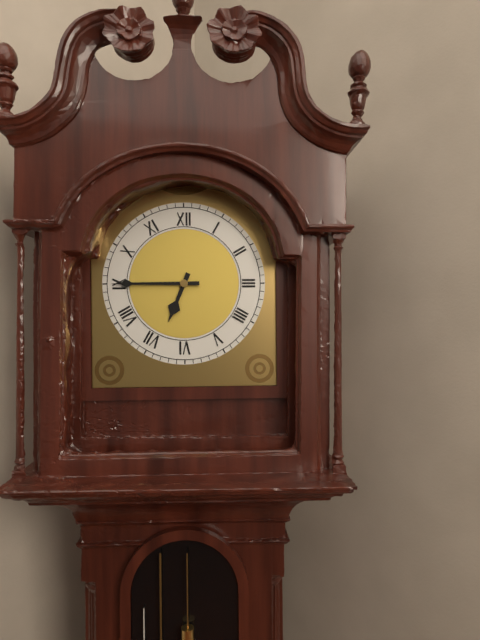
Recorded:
6,45
